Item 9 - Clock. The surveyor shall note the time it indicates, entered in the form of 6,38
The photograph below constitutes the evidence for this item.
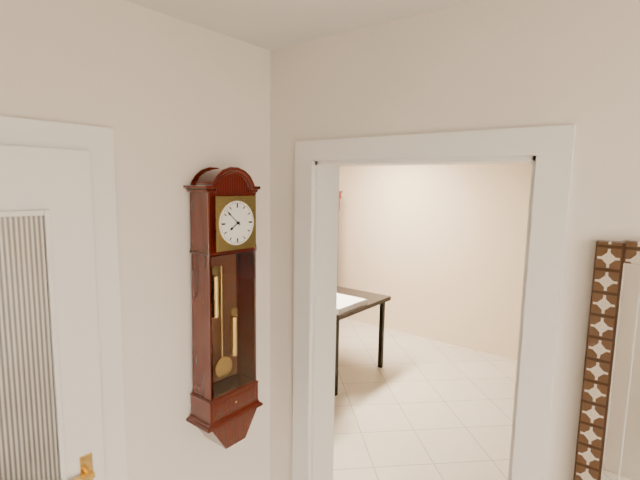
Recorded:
7,52
